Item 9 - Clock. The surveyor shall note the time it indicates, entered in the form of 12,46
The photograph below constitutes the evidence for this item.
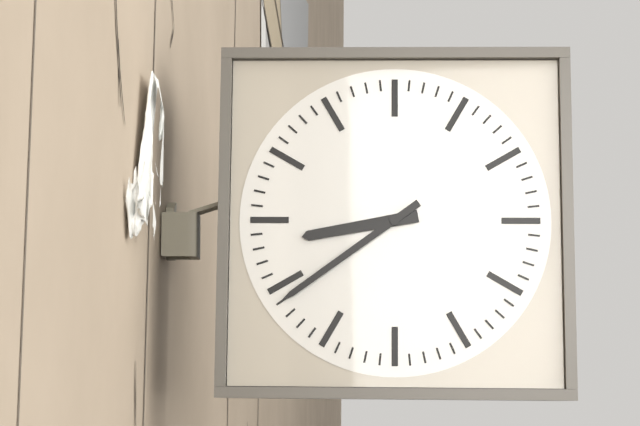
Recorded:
8,39
